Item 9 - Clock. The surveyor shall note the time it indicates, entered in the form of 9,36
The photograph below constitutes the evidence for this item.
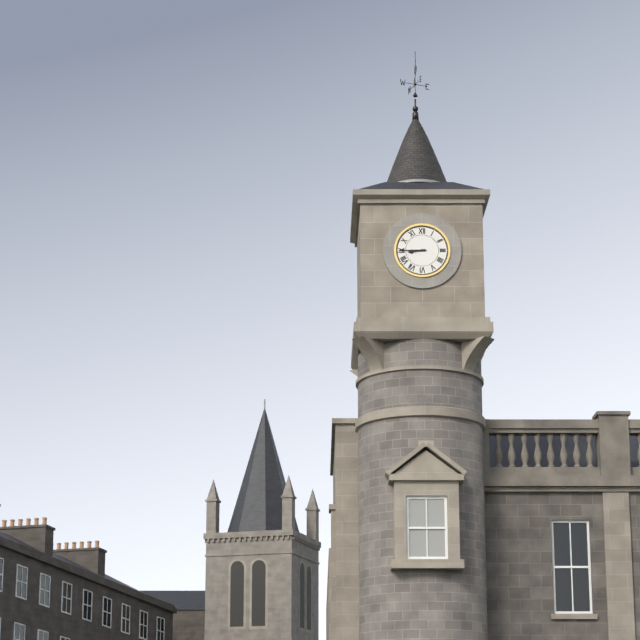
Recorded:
8,45
